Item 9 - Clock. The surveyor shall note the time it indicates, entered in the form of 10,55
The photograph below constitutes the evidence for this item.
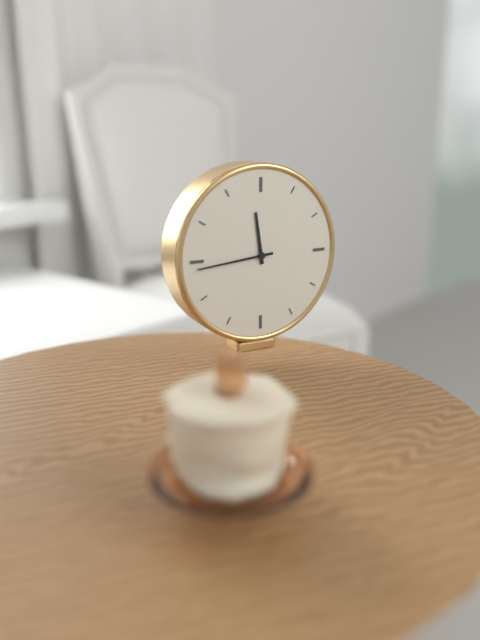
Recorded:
11,44
